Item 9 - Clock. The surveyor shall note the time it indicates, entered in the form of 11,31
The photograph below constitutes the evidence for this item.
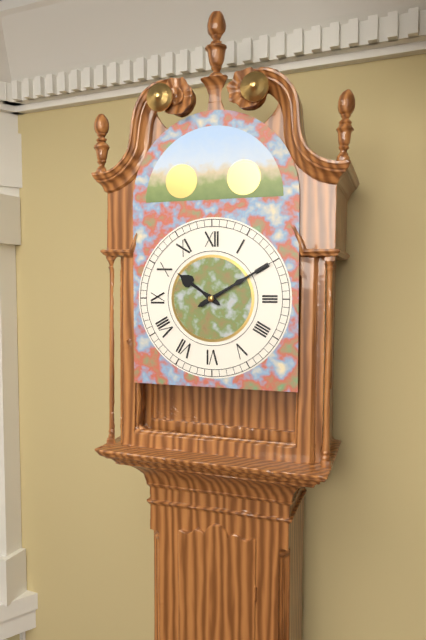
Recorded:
10,10
